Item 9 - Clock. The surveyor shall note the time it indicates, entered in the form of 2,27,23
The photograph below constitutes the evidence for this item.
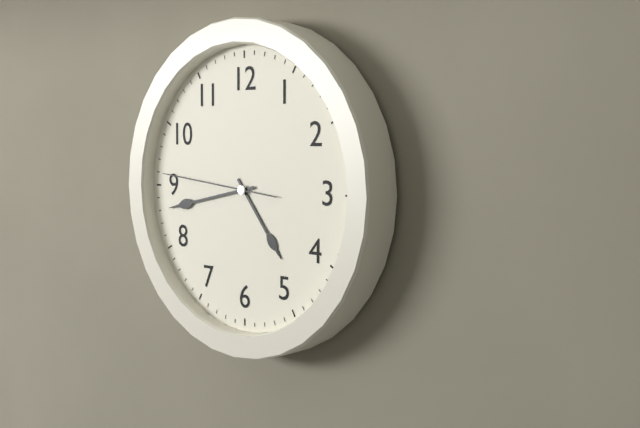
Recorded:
4,43,46
